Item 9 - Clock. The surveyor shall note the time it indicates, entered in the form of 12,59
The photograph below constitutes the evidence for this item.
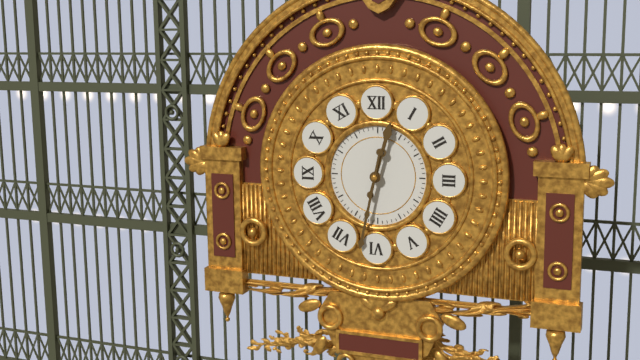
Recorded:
12,32
